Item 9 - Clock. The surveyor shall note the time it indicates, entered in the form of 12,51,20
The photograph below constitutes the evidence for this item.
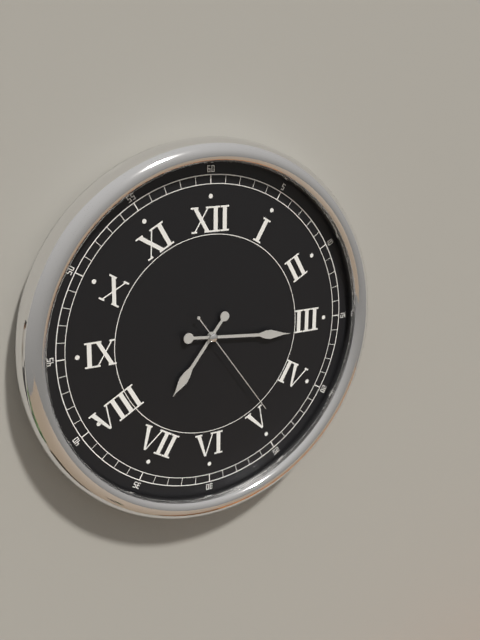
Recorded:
7,16,24
